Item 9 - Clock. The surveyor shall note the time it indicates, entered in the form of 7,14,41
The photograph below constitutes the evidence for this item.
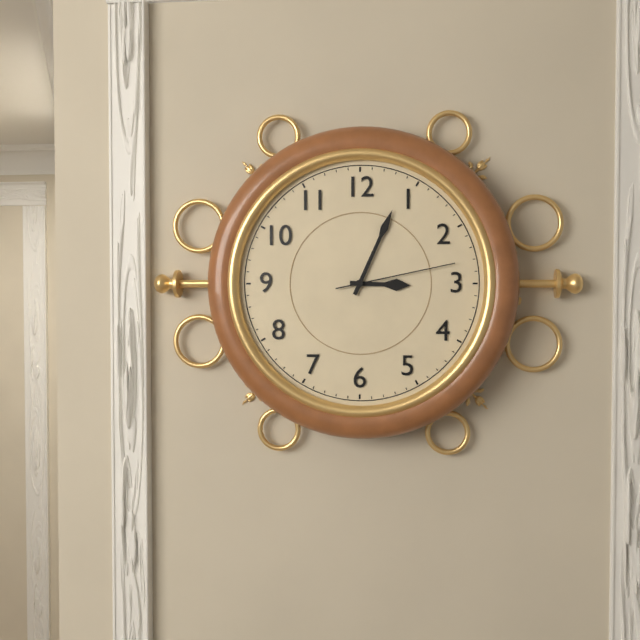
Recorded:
3,04,13
